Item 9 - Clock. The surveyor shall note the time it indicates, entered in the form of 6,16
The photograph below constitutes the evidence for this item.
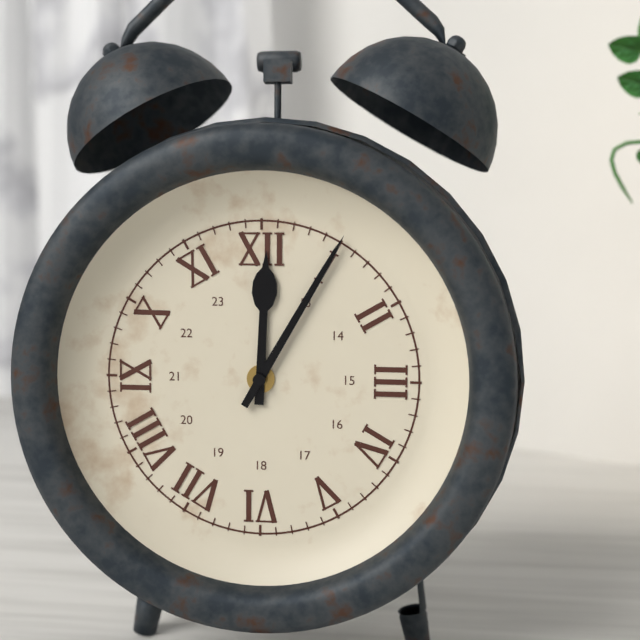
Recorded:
12,05
